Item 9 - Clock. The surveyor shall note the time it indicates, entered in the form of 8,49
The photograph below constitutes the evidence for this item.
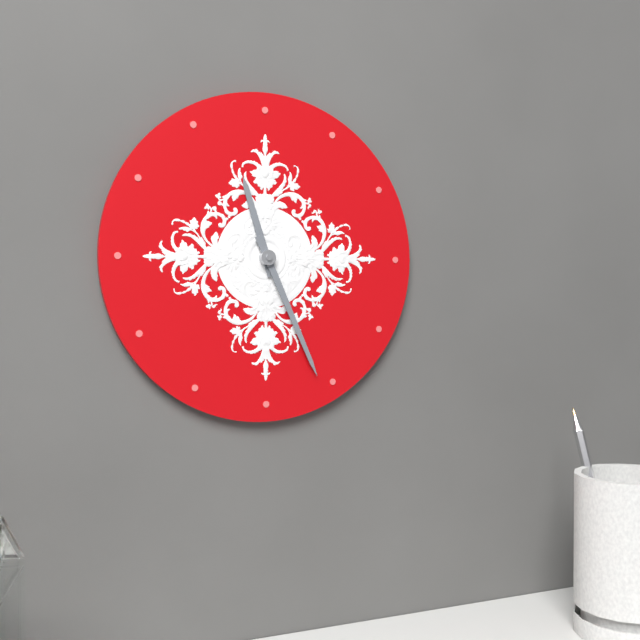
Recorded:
11,26
